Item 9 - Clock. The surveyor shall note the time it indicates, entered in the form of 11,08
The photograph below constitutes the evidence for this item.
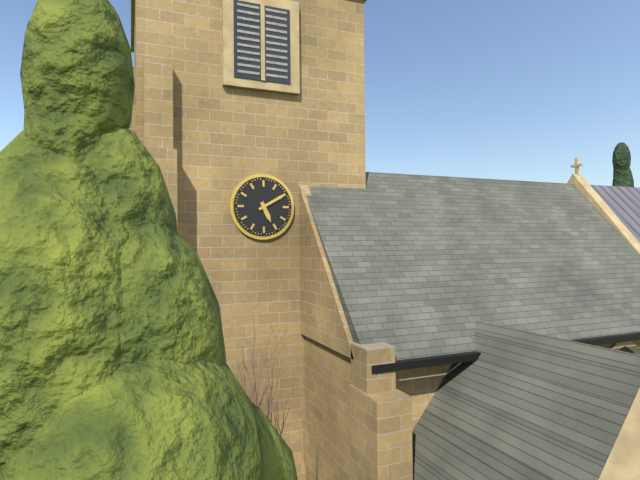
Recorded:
5,10
